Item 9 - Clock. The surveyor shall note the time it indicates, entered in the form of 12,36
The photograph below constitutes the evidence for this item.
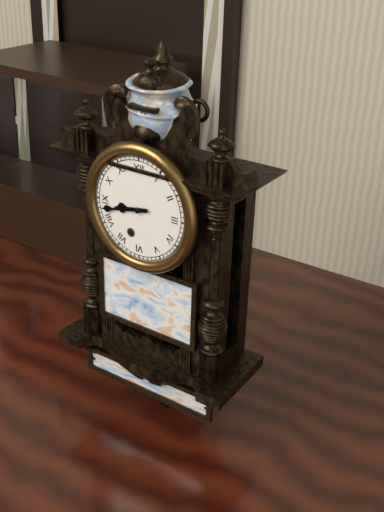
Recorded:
8,43
